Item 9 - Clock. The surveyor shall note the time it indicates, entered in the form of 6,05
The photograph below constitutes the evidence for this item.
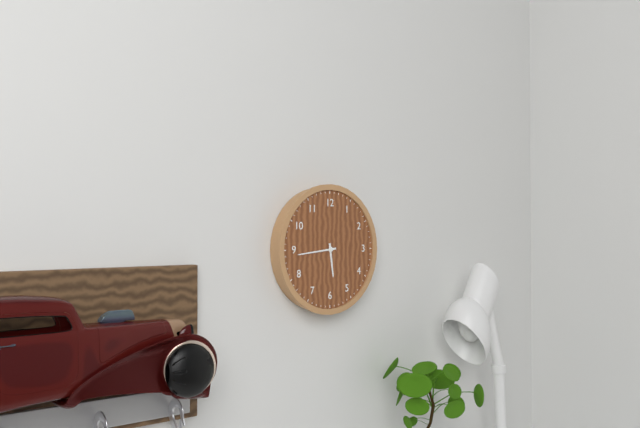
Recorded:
5,44
